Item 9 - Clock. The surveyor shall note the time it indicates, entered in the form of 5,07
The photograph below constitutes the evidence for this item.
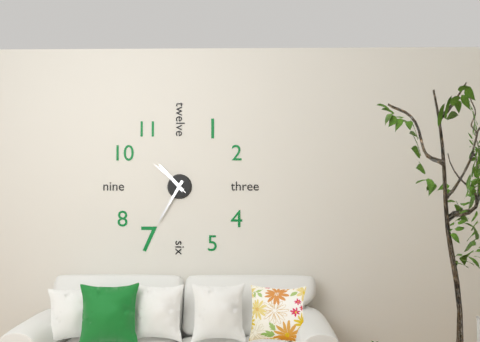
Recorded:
10,35
